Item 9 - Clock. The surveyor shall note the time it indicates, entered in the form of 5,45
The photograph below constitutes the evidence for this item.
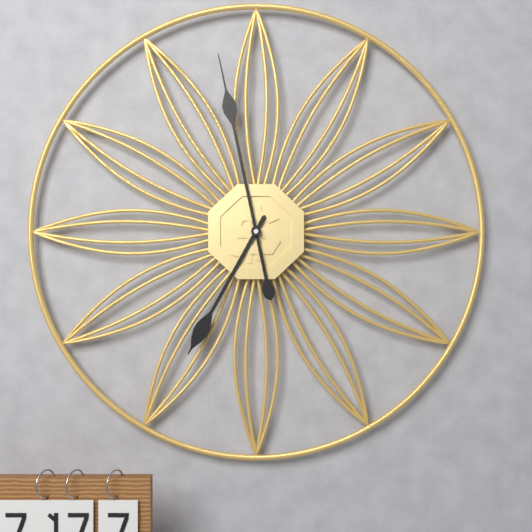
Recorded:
6,58
